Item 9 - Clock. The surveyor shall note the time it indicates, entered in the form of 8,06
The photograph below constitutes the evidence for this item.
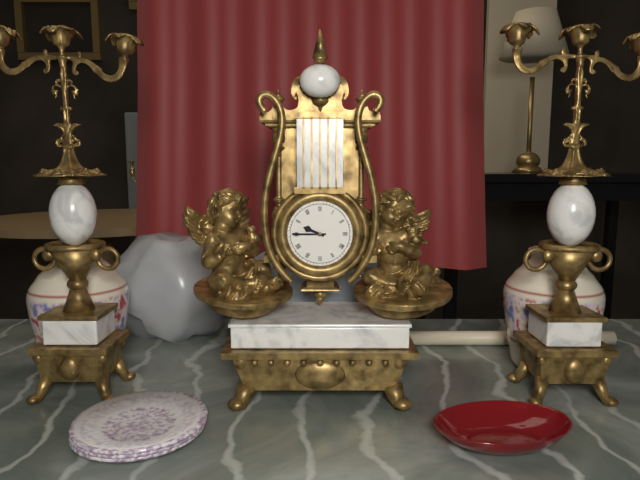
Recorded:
9,45
